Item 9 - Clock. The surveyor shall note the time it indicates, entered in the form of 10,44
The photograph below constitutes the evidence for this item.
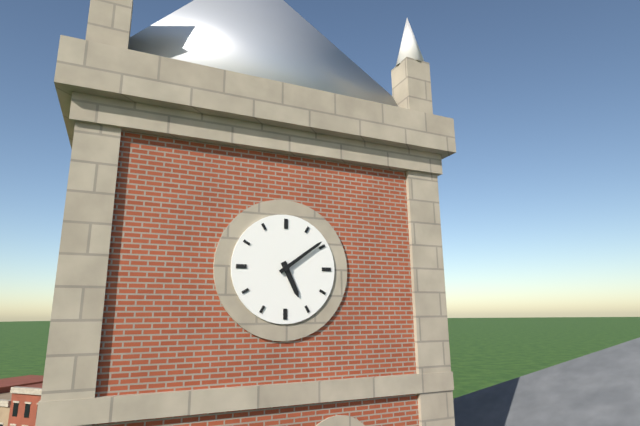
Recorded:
5,09
